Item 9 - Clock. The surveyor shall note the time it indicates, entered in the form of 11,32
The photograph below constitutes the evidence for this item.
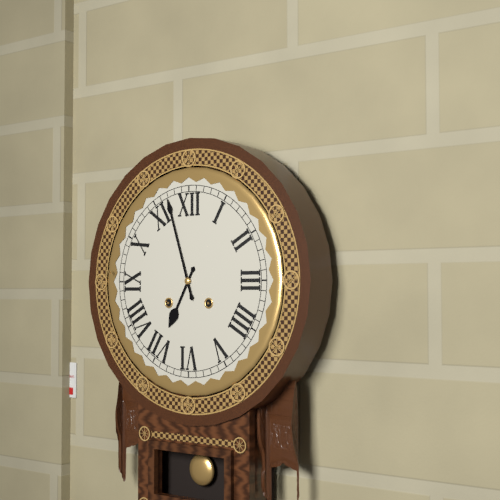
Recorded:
6,57
